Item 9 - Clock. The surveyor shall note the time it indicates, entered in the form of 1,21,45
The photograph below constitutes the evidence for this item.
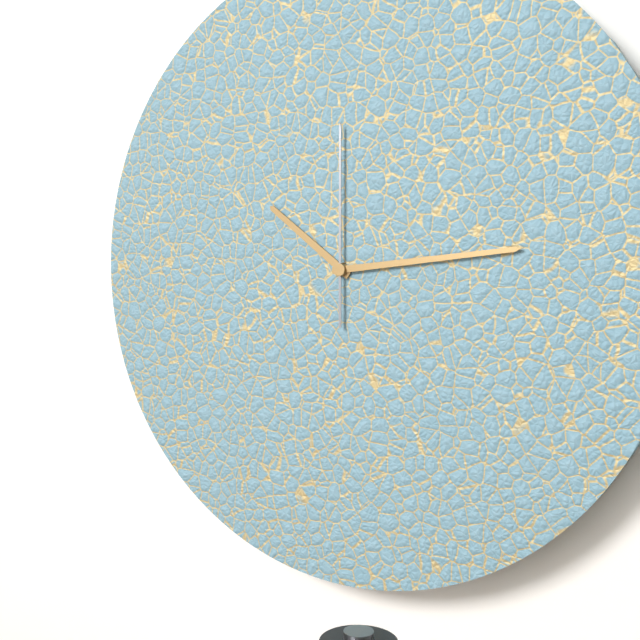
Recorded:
10,14,00
